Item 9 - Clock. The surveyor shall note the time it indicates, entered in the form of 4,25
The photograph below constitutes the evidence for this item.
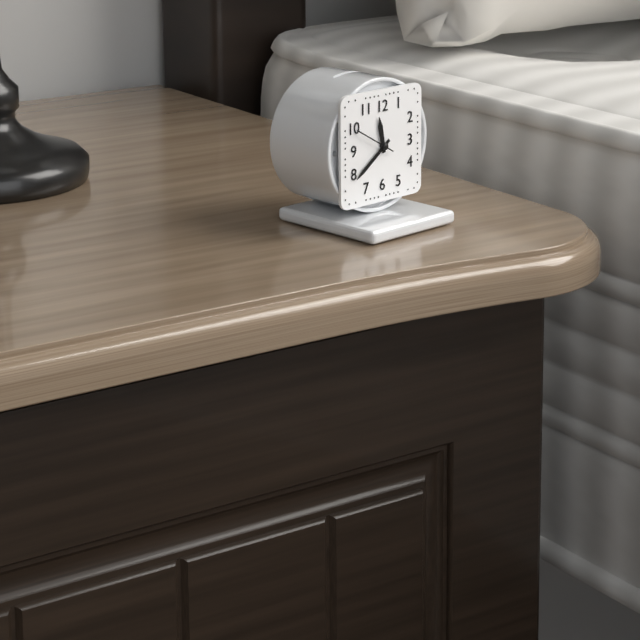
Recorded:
11,39
